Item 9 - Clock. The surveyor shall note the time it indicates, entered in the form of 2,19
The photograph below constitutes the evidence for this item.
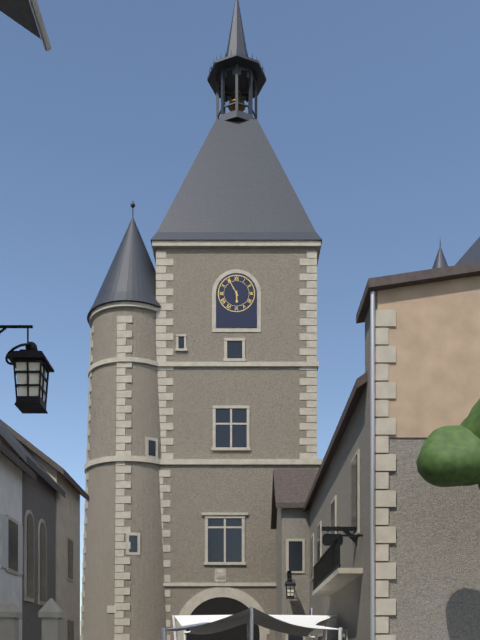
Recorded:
5,55
